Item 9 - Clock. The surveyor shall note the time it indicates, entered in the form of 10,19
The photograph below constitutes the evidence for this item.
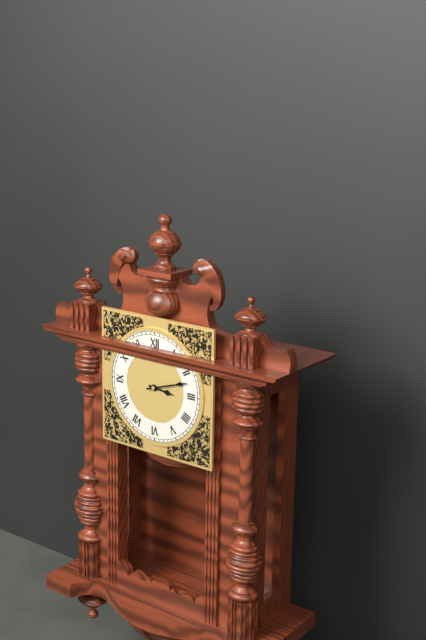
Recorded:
3,12
